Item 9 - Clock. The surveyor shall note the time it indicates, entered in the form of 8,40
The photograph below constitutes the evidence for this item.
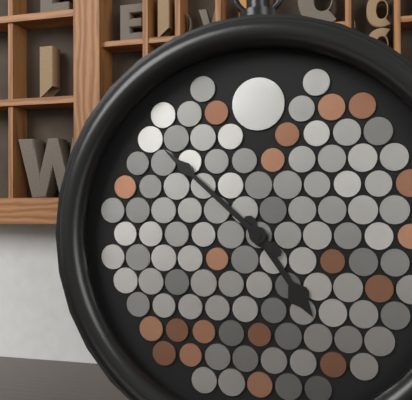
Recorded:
4,52
